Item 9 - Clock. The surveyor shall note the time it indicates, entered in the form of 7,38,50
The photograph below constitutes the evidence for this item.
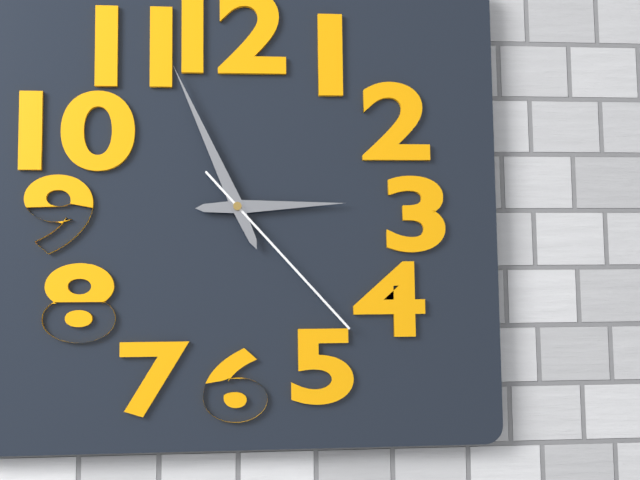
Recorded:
2,56,23
